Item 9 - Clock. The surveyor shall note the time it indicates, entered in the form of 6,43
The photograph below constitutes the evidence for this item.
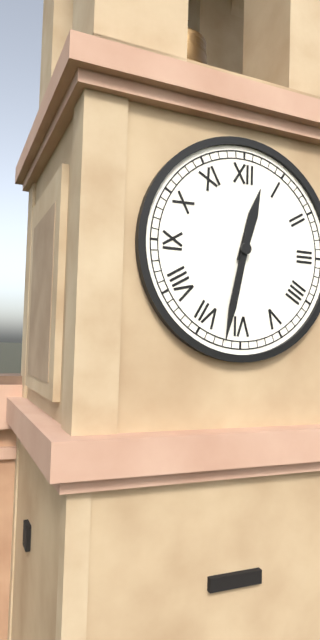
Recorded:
12,32
